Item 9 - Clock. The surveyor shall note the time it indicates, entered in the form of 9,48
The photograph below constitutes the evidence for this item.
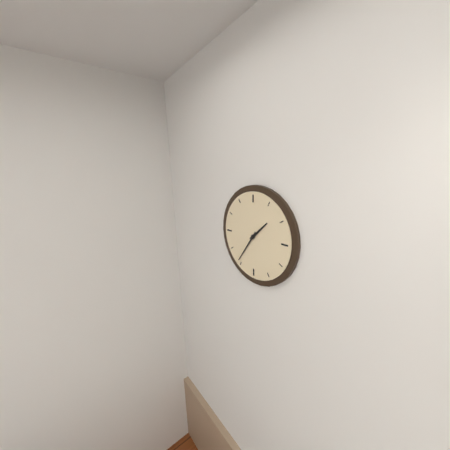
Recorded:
1,36
